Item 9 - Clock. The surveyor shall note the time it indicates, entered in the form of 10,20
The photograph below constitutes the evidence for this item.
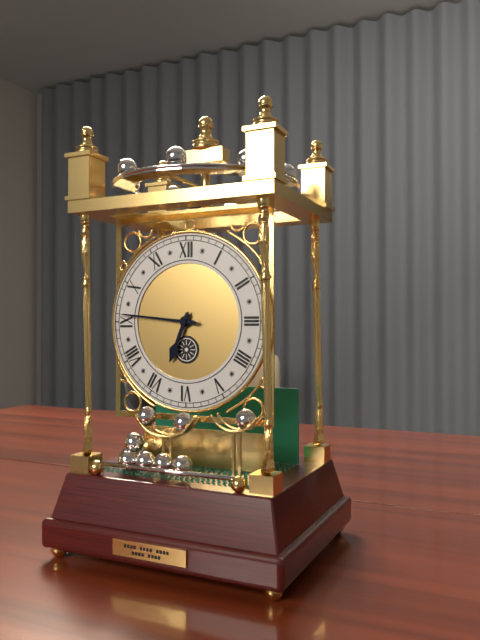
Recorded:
6,46
